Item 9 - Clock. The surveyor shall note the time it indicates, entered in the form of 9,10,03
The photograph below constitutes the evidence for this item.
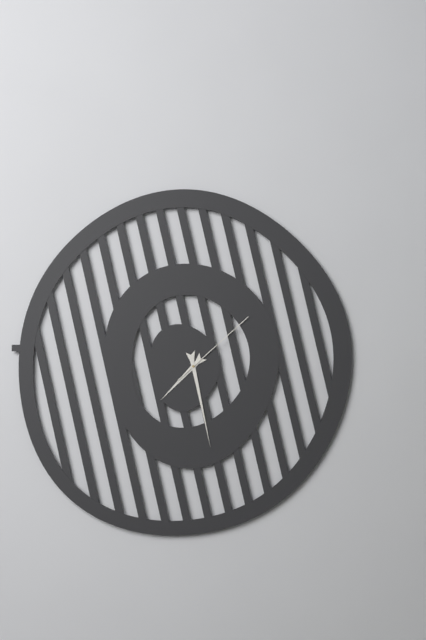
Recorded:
7,28,08
